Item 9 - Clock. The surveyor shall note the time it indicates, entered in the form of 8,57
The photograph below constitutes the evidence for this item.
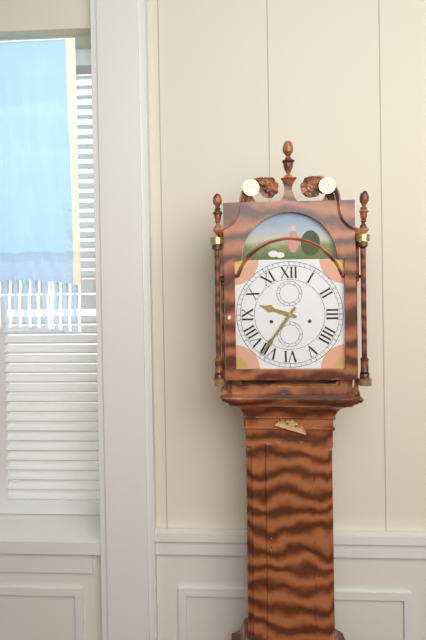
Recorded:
9,36
